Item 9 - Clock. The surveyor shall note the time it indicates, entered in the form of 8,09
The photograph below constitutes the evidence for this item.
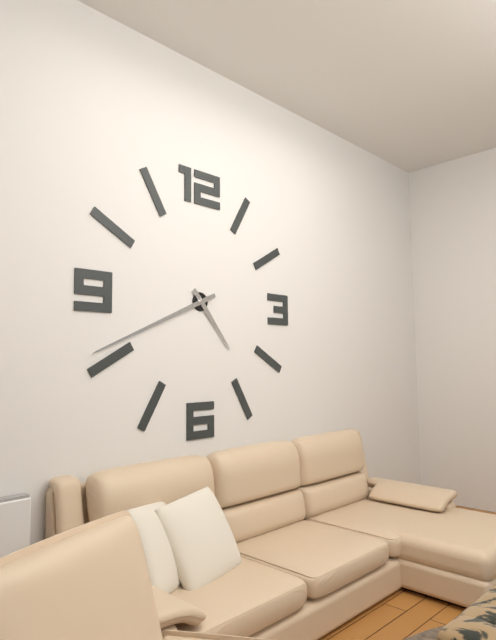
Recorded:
4,41
